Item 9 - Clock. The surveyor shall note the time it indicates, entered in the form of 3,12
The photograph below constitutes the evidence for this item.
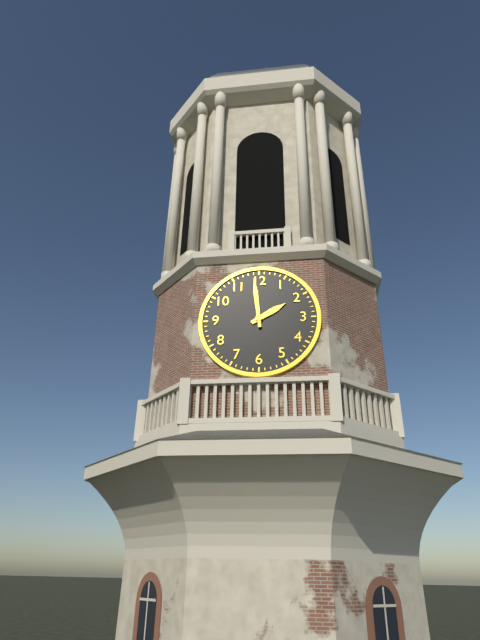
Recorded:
1,59
